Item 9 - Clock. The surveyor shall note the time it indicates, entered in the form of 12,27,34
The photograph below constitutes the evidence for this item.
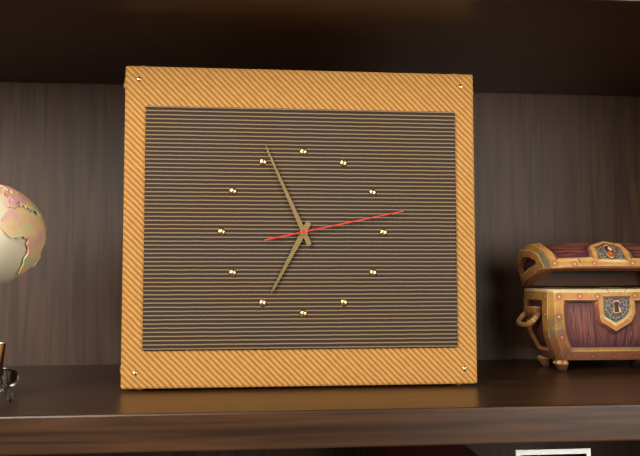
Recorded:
6,56,13
